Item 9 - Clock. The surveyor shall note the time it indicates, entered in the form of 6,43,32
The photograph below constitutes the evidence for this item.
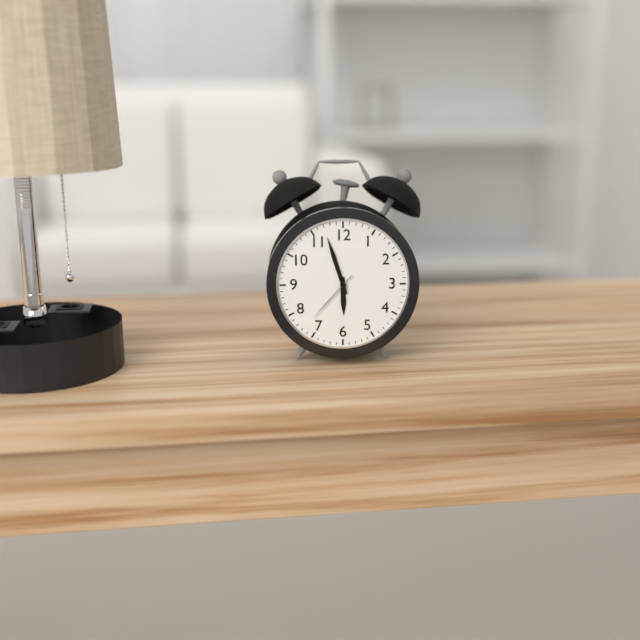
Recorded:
5,57,37
